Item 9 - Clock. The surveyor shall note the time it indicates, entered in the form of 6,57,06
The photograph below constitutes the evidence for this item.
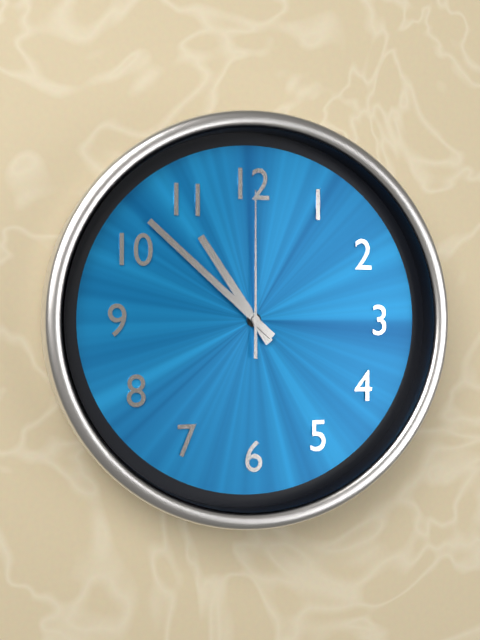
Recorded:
10,52,00
